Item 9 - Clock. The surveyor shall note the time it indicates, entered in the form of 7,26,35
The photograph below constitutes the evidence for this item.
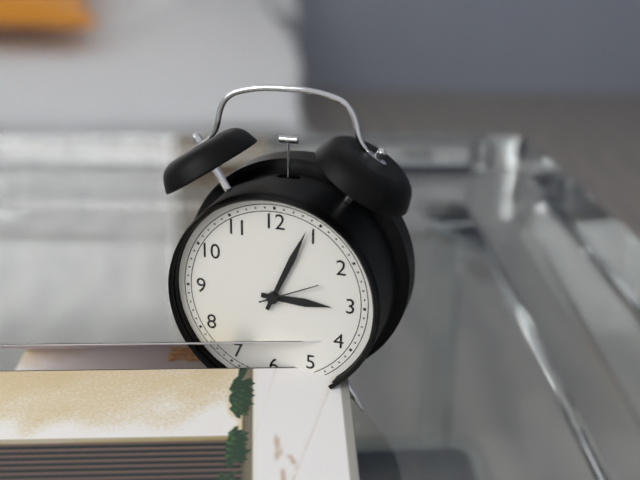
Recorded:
3,04,11
